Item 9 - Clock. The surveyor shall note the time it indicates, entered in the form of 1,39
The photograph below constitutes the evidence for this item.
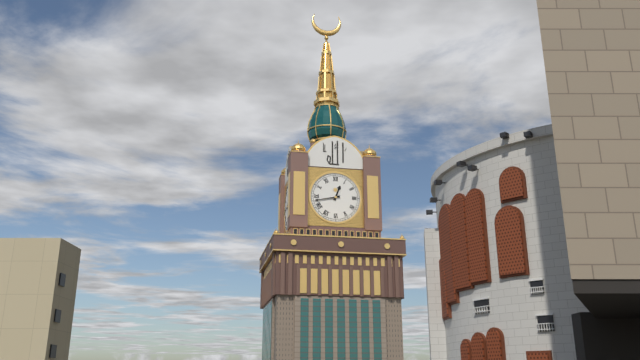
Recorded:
12,43
